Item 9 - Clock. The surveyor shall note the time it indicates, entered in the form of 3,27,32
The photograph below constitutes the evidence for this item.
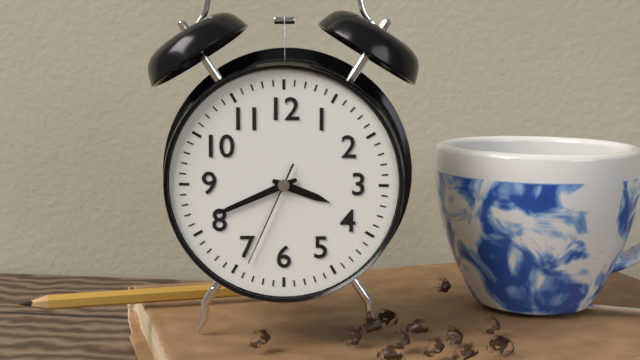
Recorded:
3,41,34
